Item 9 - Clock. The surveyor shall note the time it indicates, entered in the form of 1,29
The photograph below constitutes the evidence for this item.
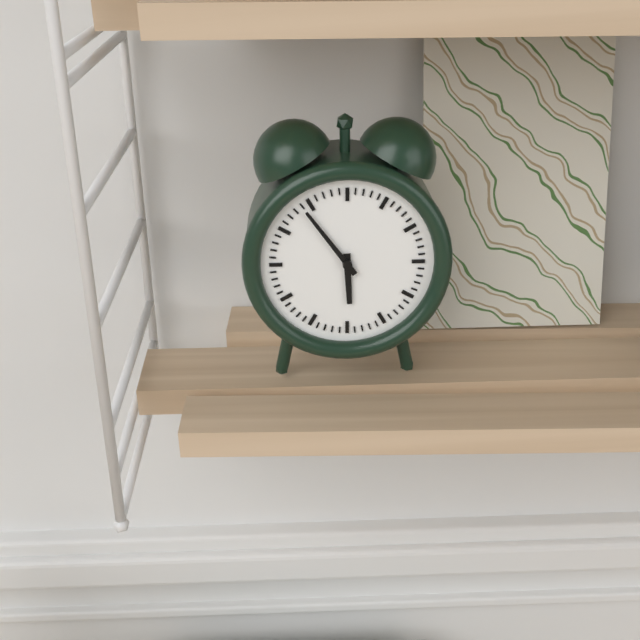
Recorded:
5,54
